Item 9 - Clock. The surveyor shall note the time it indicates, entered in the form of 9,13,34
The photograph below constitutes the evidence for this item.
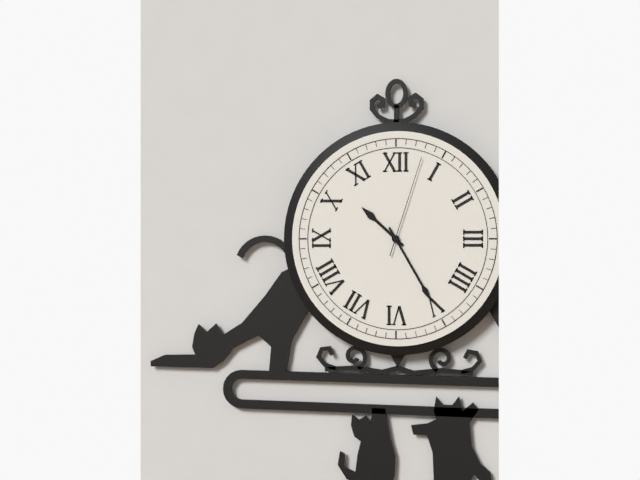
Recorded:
10,25,03
